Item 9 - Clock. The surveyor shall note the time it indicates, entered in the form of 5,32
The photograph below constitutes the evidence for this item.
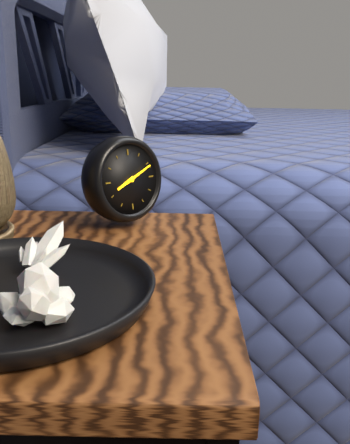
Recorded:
8,11
